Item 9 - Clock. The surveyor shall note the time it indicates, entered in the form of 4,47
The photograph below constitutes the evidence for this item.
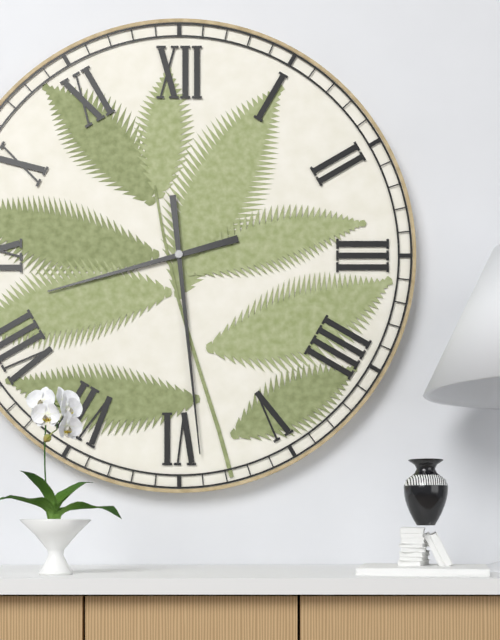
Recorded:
8,29
